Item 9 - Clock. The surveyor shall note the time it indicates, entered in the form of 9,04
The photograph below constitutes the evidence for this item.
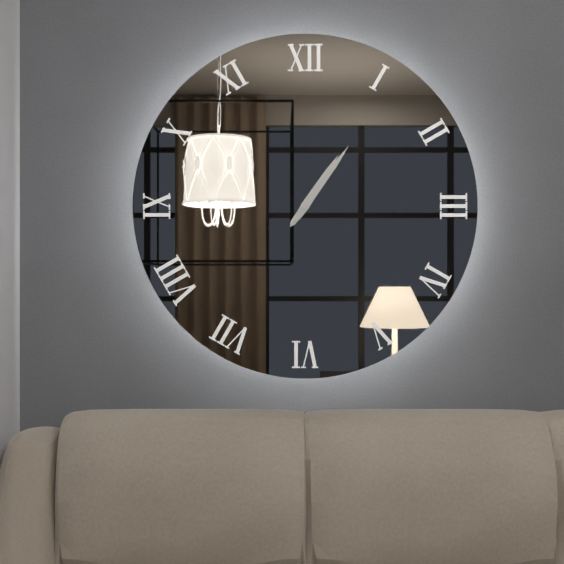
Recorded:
1,06
